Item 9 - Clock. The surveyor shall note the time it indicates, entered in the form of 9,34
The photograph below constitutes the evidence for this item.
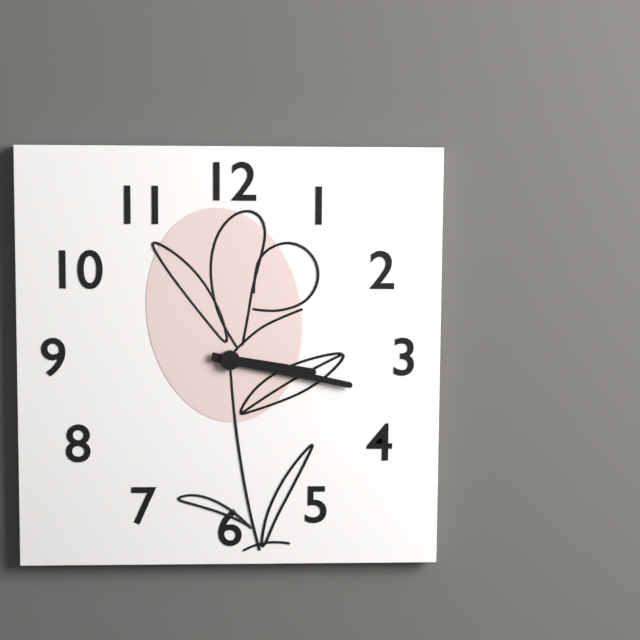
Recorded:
3,17
